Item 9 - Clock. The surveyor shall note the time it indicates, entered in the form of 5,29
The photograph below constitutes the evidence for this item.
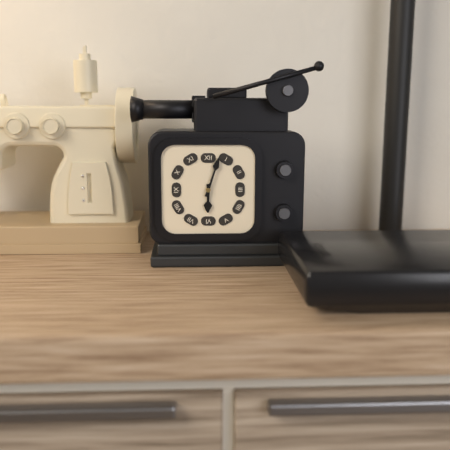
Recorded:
6,03
